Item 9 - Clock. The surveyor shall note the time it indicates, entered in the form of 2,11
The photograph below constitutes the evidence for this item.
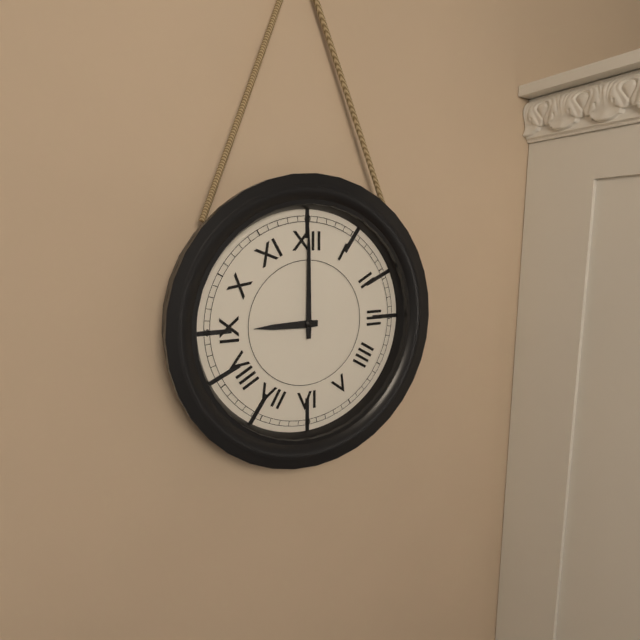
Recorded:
9,00
